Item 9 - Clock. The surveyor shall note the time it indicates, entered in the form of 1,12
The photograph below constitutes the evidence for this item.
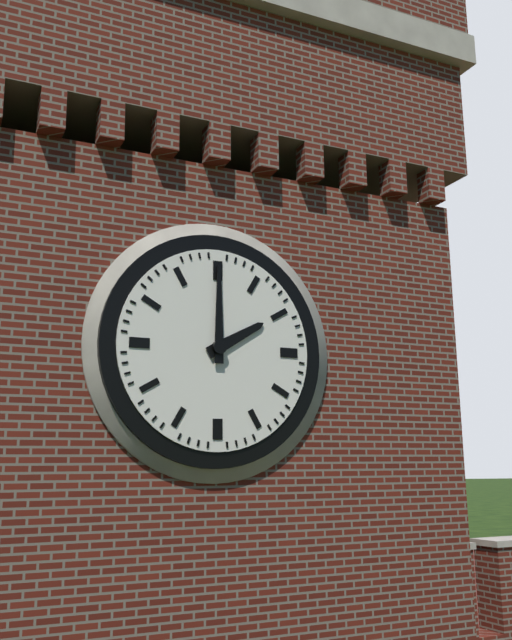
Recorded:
2,00
